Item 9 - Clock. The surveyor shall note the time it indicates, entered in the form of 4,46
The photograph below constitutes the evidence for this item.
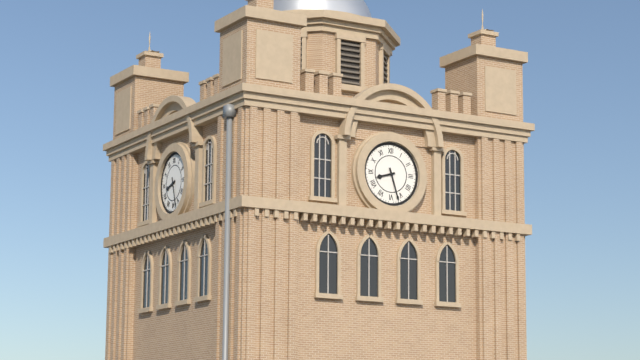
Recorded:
8,27
